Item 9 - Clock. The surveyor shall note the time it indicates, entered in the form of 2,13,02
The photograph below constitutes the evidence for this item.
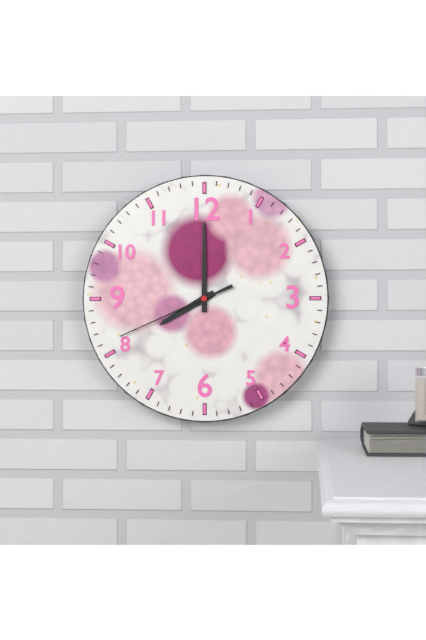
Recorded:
8,00,41
